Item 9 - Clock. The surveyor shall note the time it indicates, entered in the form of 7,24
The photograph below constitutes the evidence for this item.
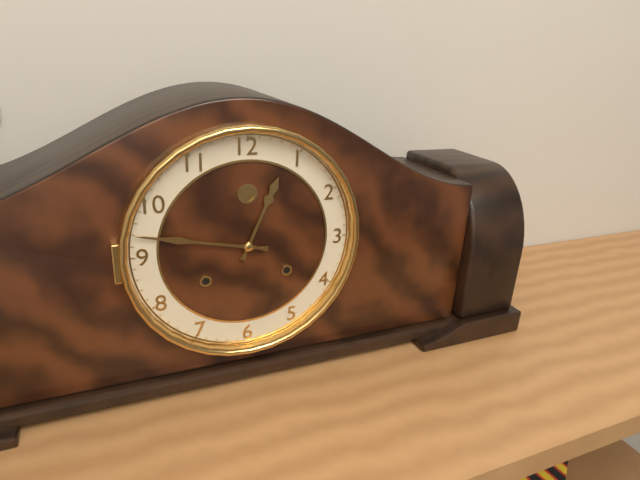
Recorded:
12,47
